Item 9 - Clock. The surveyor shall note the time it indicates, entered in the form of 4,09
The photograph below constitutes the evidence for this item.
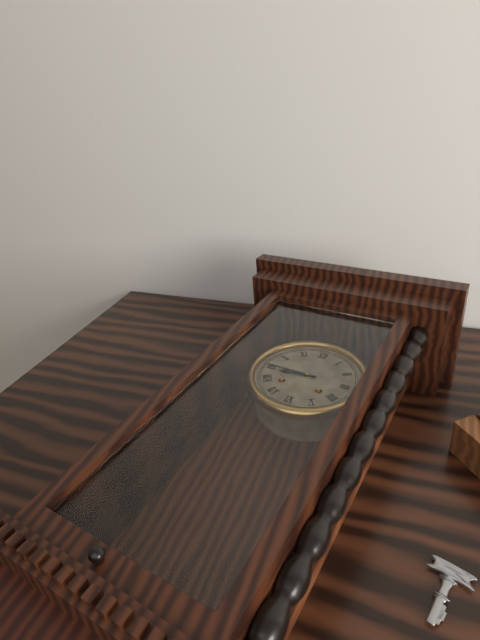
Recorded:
8,45
